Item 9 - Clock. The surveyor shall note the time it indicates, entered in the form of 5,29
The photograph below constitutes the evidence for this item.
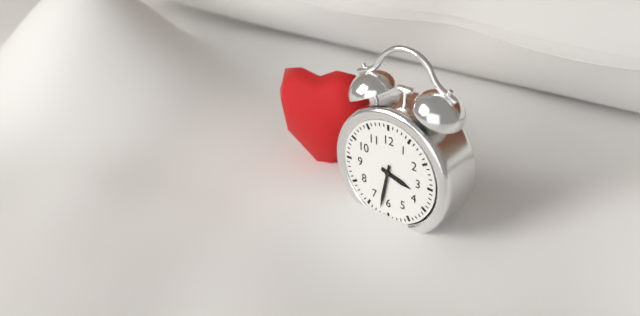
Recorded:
3,32
